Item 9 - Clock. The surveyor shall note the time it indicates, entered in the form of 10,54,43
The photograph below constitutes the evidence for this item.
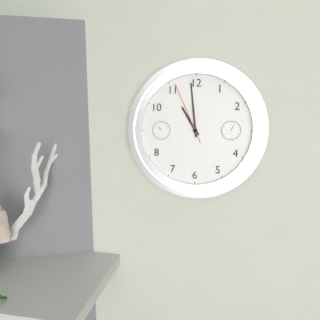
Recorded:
10,59,56
